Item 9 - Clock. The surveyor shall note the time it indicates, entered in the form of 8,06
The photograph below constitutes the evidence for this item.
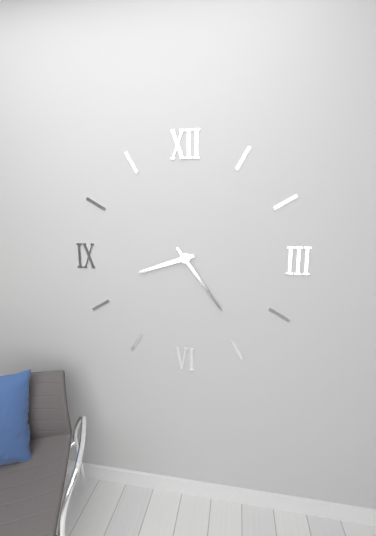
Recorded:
8,24
